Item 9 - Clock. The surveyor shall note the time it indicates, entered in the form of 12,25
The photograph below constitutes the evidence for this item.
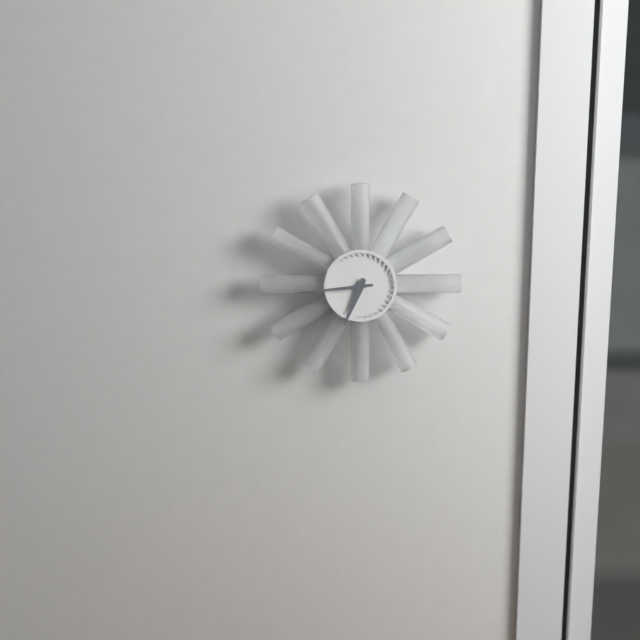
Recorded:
6,44
